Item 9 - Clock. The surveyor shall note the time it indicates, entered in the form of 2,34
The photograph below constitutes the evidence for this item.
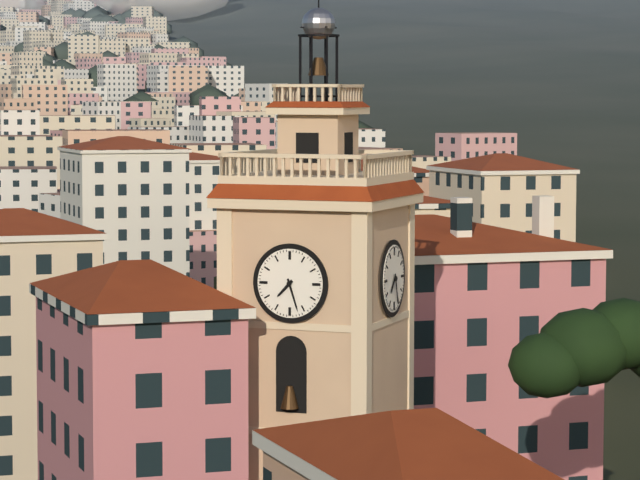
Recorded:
7,27
